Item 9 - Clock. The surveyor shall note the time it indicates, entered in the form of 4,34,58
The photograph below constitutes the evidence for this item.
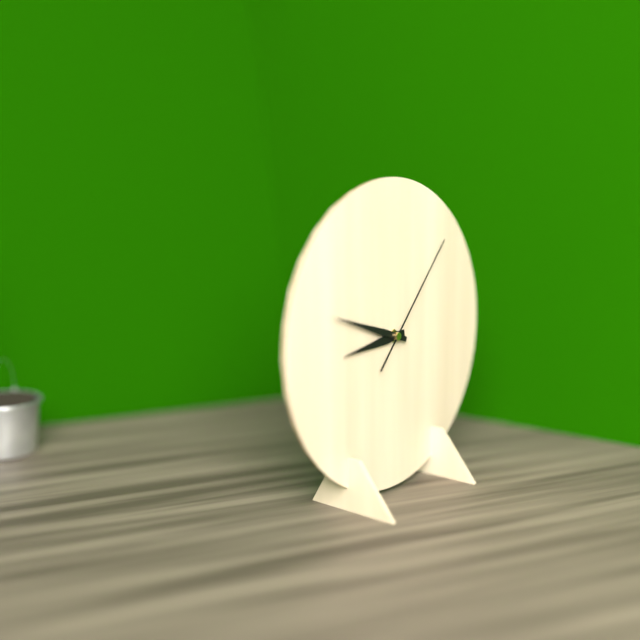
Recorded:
8,48,07
